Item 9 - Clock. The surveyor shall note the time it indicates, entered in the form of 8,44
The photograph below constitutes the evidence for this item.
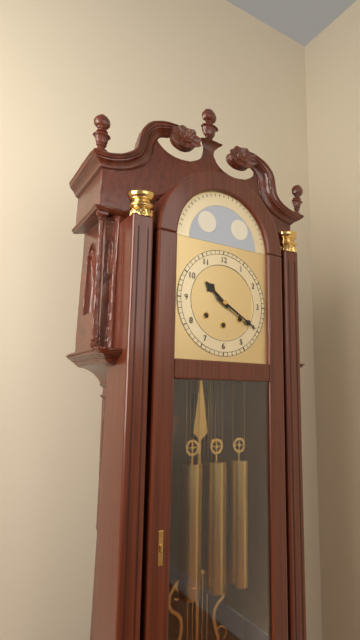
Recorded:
10,20
